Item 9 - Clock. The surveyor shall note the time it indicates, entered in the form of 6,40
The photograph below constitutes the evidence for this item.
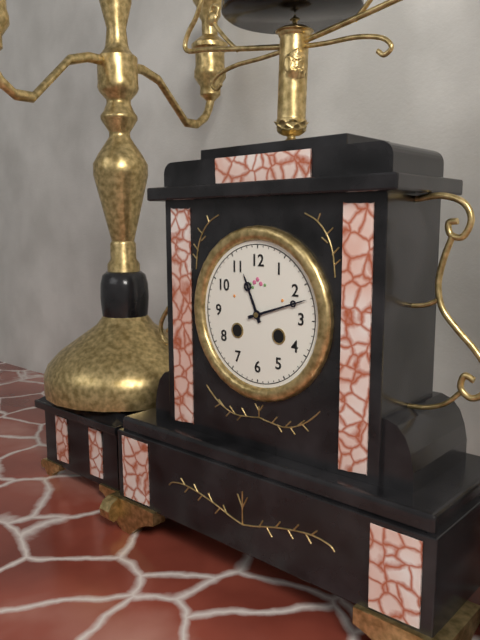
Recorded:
11,12
